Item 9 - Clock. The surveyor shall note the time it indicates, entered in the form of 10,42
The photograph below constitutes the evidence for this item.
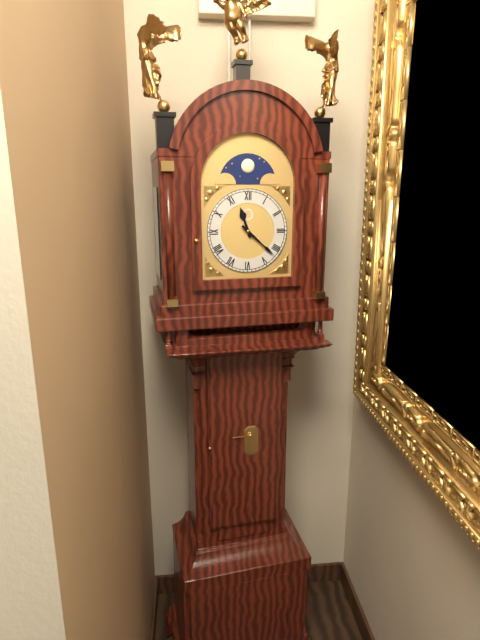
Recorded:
11,22
